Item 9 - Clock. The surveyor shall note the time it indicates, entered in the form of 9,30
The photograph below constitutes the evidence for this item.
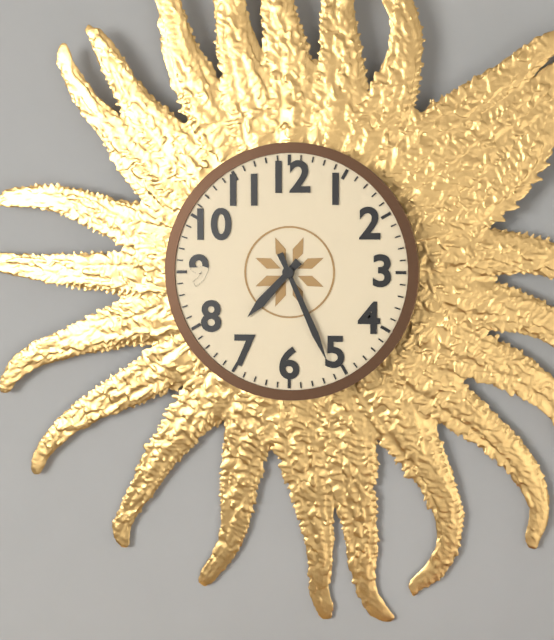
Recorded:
7,26
